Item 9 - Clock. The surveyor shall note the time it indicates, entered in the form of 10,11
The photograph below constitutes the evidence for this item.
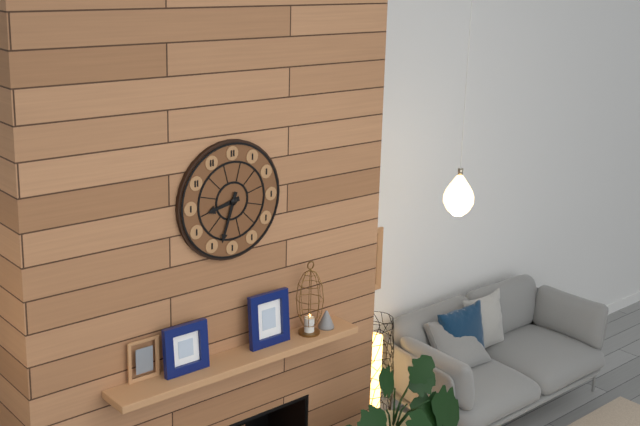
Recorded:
8,33
